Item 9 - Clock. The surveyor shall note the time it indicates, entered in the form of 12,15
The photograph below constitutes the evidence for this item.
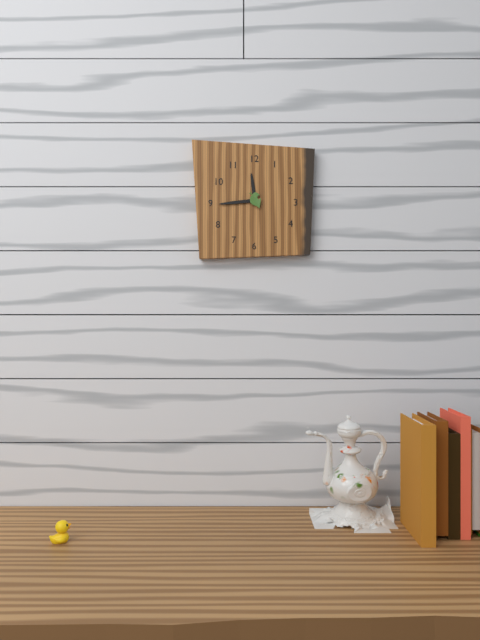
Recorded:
11,44
